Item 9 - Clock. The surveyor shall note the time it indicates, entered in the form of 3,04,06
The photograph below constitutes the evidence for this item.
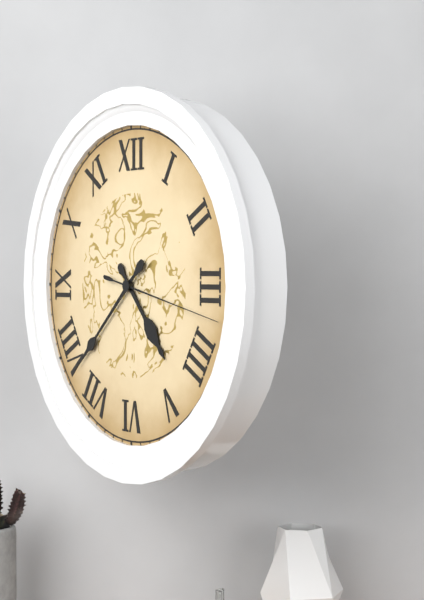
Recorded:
4,38,17
